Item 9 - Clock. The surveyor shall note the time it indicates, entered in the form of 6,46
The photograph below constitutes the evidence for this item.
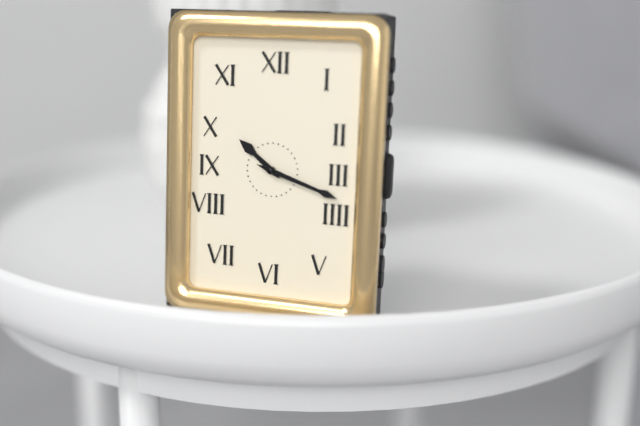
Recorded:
10,18
